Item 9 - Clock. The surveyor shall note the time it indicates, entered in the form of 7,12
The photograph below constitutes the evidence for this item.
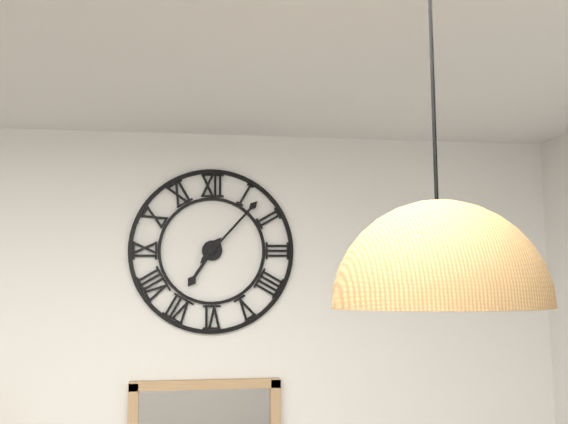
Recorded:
7,07
